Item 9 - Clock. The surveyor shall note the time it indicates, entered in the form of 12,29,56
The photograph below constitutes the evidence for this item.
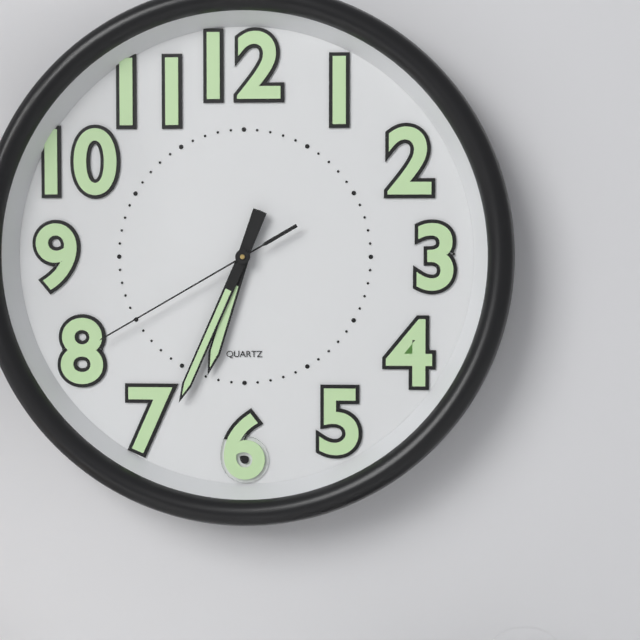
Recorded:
6,34,40
